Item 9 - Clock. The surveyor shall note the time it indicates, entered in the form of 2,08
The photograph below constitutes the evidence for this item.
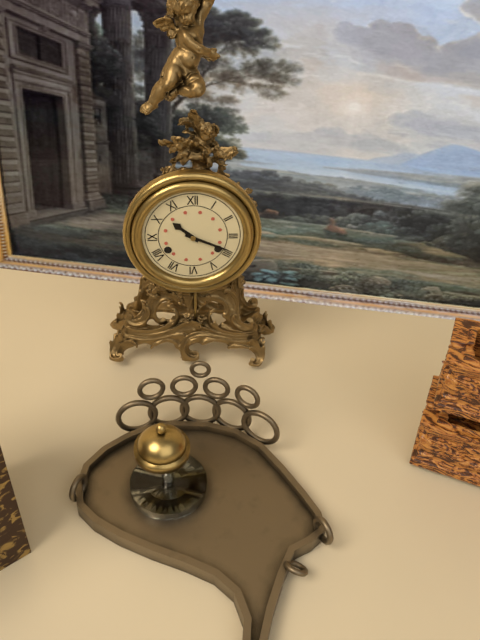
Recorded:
10,19
